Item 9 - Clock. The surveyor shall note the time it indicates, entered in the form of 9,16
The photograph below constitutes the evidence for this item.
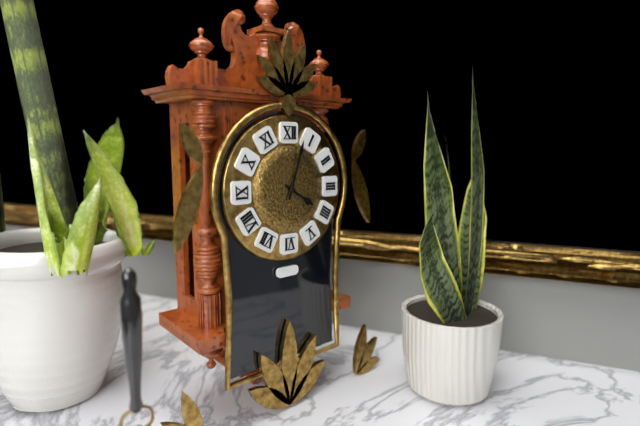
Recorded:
4,03
